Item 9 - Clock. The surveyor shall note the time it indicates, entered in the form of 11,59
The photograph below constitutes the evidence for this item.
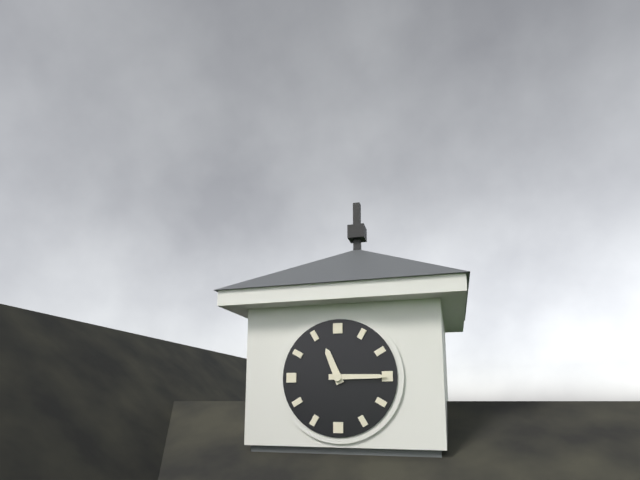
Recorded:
11,15
